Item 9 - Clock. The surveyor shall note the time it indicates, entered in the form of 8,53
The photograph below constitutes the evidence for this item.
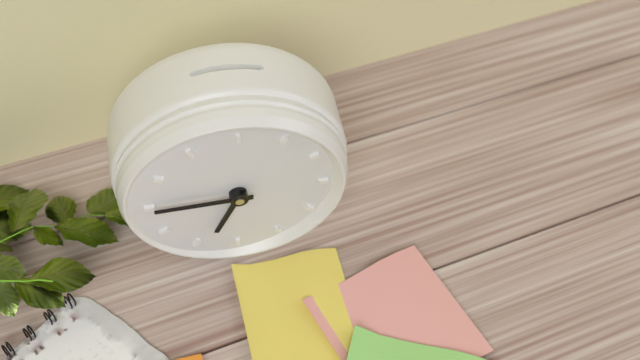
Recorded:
6,45
